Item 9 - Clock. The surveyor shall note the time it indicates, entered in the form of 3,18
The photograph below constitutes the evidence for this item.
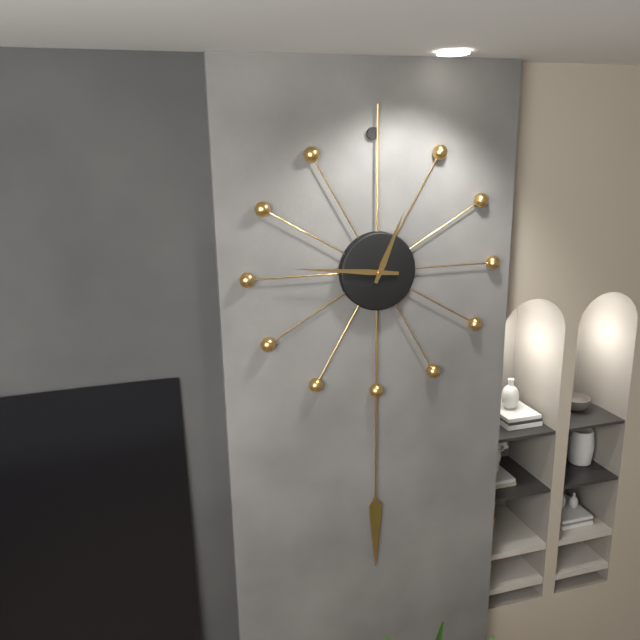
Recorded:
12,46
